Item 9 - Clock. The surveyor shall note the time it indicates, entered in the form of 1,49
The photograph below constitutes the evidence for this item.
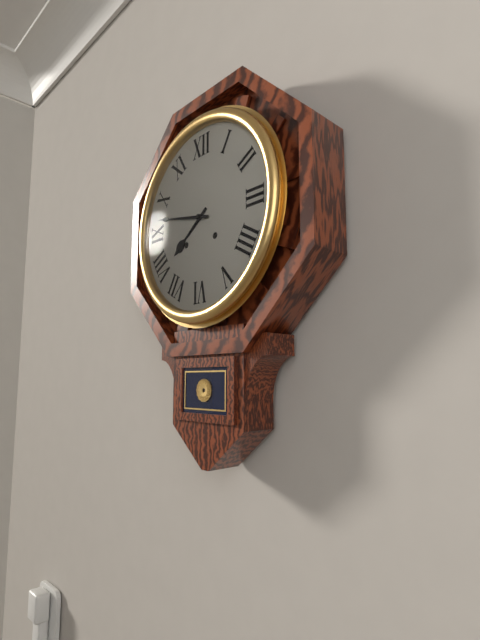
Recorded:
7,47
